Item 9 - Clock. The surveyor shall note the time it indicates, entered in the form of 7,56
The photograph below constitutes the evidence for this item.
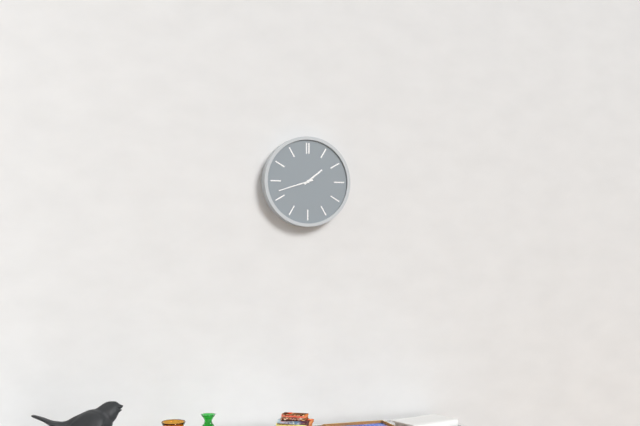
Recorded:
1,42
